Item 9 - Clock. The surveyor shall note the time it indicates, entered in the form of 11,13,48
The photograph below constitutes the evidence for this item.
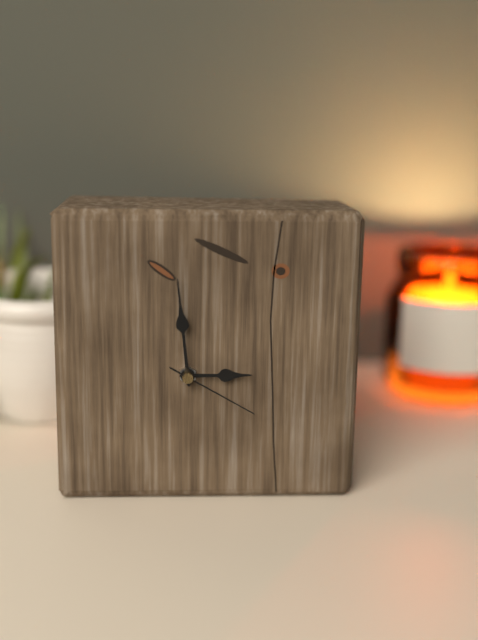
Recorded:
2,59,20
